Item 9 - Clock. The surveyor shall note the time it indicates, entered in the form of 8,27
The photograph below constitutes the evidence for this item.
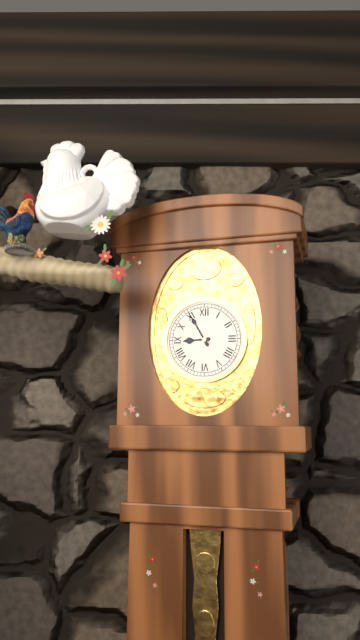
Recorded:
8,55
